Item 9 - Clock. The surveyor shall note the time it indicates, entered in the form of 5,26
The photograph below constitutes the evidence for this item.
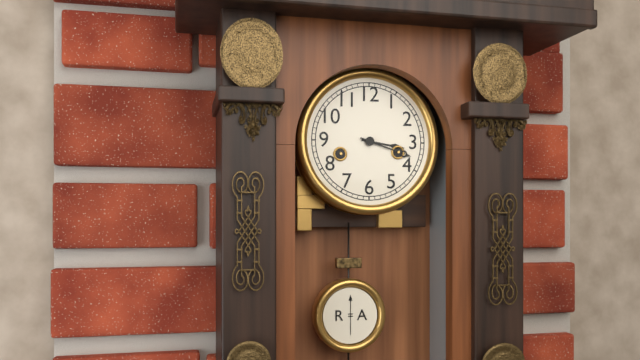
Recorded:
3,18
